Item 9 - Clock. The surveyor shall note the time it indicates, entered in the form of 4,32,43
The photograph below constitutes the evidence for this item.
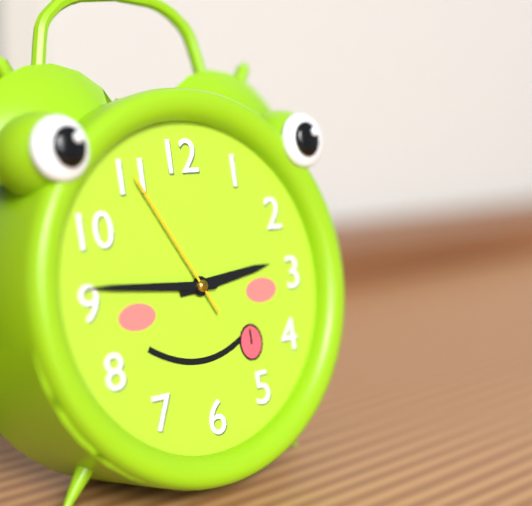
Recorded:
2,46,55
